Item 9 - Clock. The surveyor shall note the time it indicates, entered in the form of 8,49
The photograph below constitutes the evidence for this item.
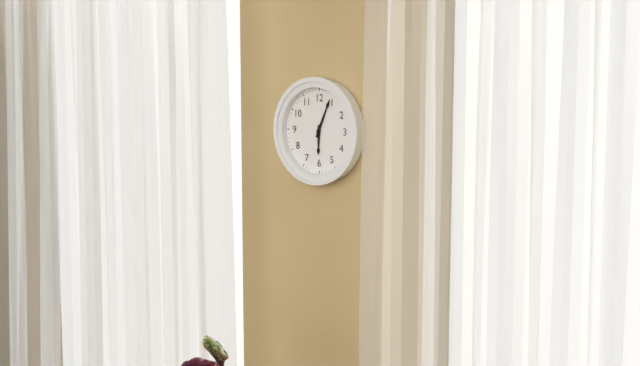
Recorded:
6,04
